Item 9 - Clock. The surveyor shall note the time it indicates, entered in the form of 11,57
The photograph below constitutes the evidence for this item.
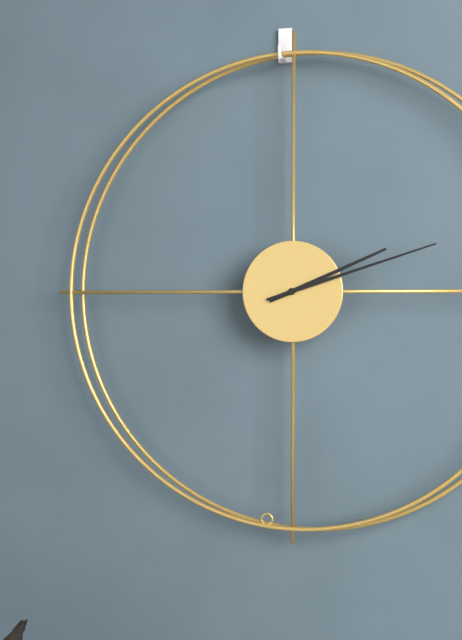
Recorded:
2,12
